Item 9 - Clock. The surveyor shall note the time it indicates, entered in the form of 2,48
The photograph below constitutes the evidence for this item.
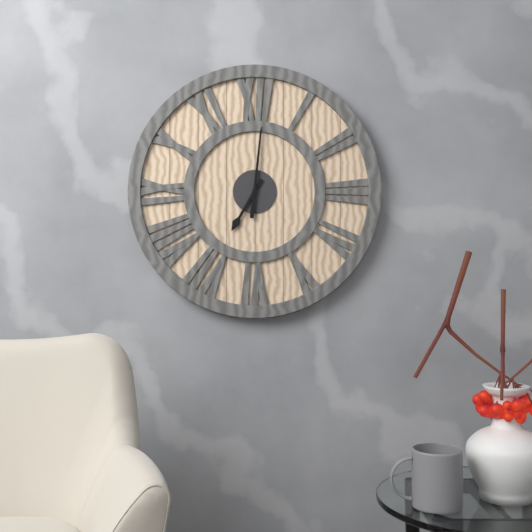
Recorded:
7,01
